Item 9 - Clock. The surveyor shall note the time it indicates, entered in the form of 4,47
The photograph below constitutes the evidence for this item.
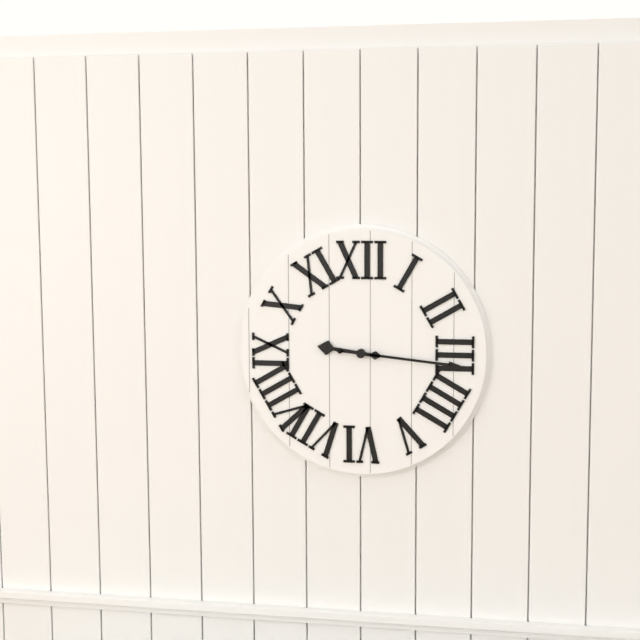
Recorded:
9,16
